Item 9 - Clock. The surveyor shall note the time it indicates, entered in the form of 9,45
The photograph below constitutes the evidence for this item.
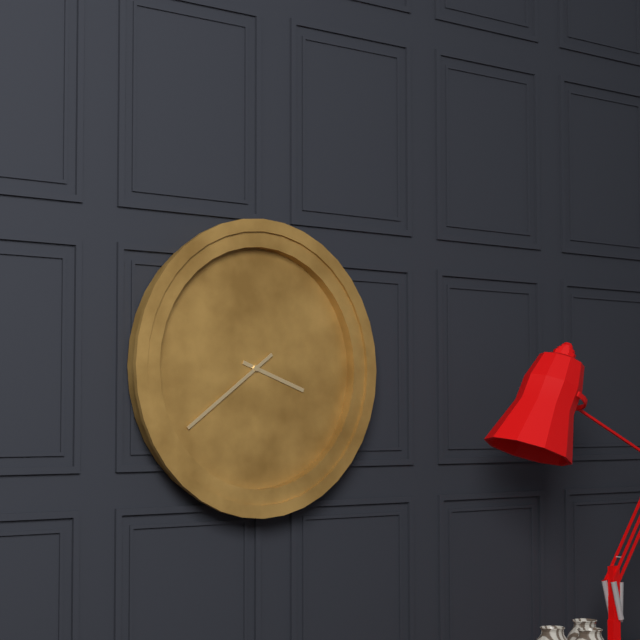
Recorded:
3,39
